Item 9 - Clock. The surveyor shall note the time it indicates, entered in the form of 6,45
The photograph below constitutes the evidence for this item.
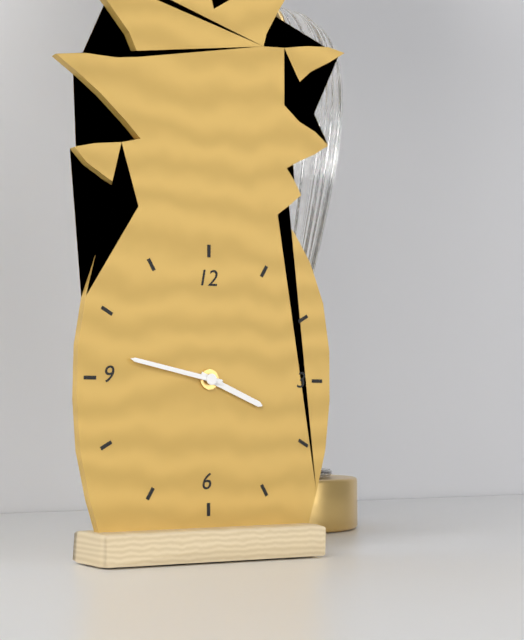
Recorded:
3,47
